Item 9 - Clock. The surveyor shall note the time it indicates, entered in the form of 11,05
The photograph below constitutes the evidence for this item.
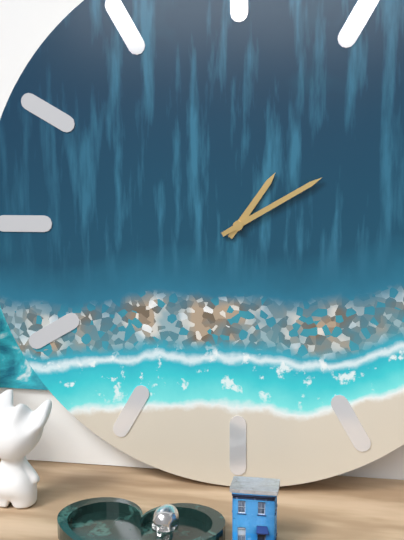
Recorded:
1,10
